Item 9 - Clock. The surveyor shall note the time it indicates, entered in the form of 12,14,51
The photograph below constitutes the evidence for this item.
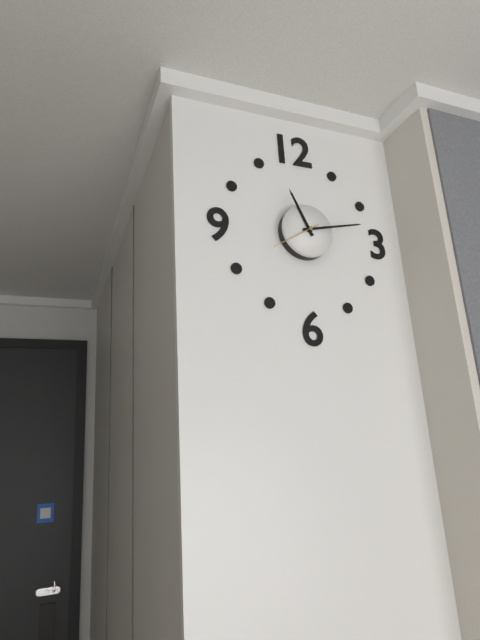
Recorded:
11,13,40
